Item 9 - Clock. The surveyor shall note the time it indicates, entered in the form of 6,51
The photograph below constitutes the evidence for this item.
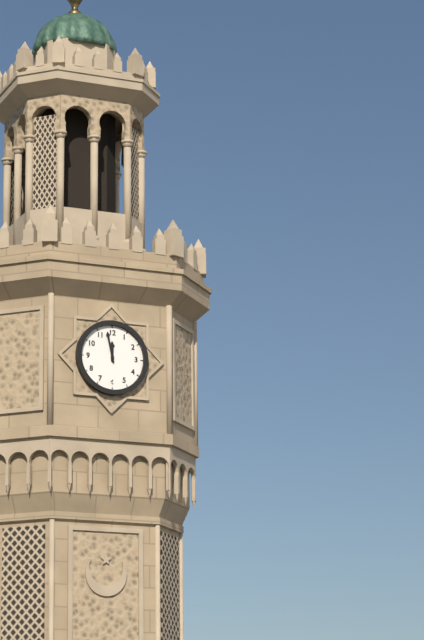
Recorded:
11,58
